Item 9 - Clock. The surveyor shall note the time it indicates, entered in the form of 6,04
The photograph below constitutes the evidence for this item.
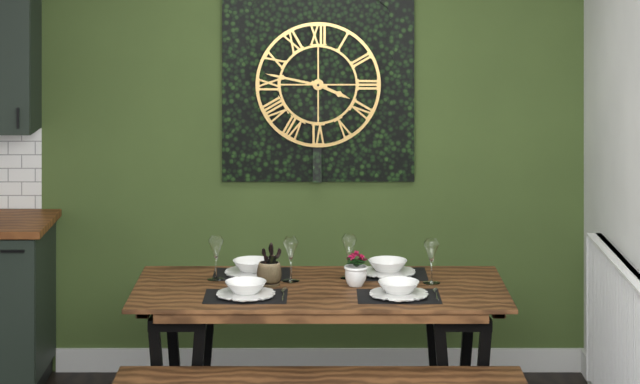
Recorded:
3,47
